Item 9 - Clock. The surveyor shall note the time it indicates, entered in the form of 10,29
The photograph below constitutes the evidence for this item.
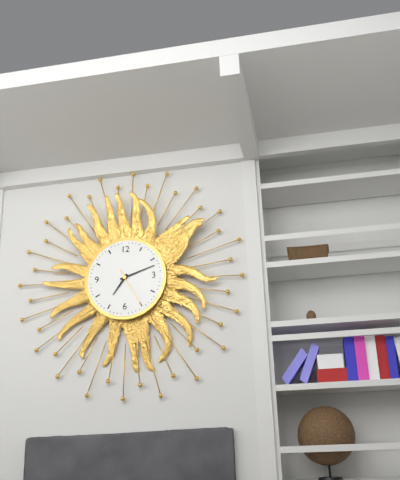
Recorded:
7,12
